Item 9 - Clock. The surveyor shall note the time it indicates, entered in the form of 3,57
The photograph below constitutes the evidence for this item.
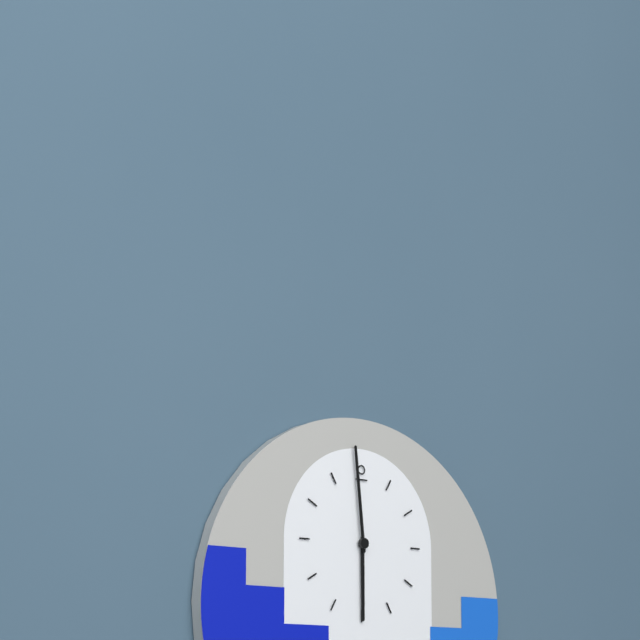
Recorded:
5,59
